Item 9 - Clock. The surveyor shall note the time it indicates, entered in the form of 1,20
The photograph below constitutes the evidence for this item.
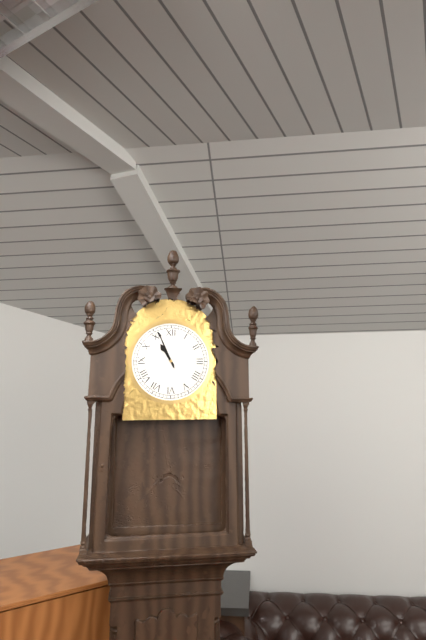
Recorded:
10,56
